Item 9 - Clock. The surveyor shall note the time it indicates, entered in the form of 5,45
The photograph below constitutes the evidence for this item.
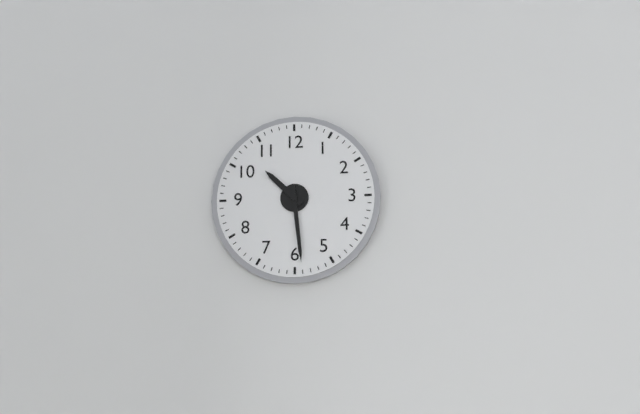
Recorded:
10,29
